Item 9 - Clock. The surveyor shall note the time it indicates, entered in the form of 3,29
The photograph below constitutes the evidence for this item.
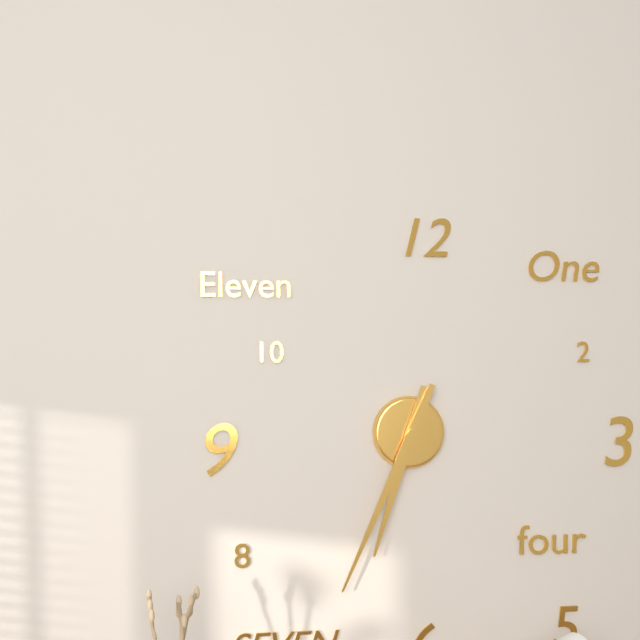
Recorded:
6,34
